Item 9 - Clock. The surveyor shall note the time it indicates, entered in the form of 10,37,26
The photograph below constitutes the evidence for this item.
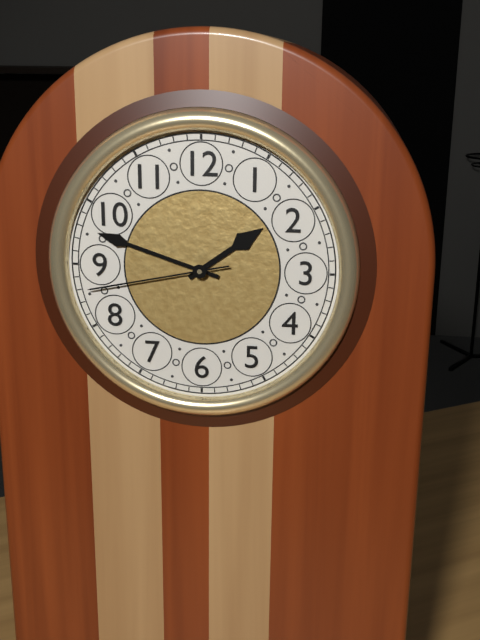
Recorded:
1,48,43
